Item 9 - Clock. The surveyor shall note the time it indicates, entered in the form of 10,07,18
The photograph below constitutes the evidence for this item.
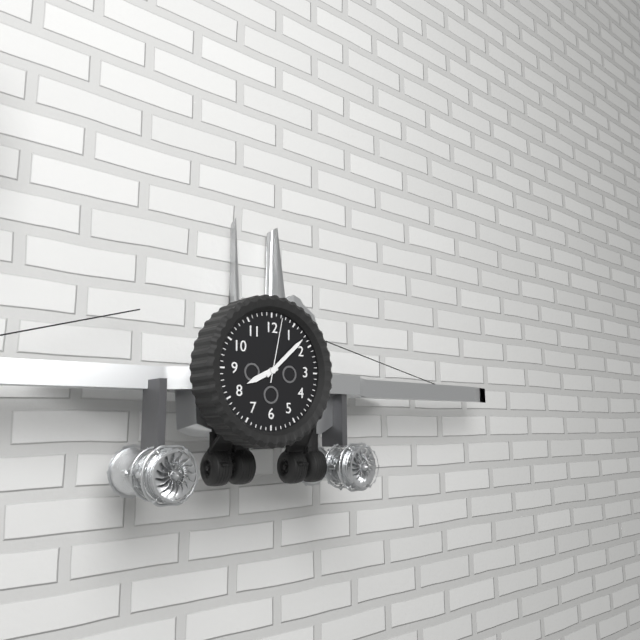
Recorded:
8,08,02
